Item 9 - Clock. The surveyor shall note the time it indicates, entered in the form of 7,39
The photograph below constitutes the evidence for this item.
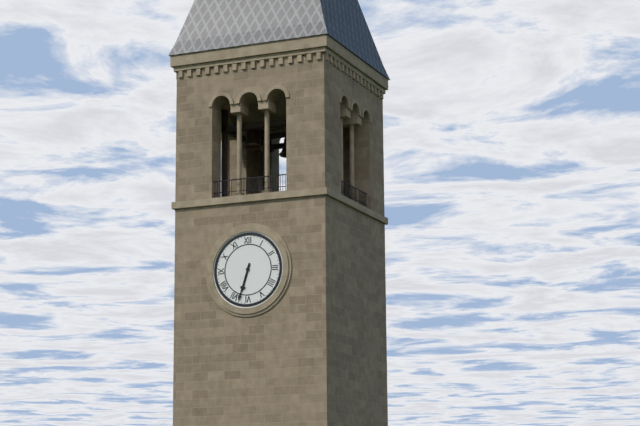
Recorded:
6,33
